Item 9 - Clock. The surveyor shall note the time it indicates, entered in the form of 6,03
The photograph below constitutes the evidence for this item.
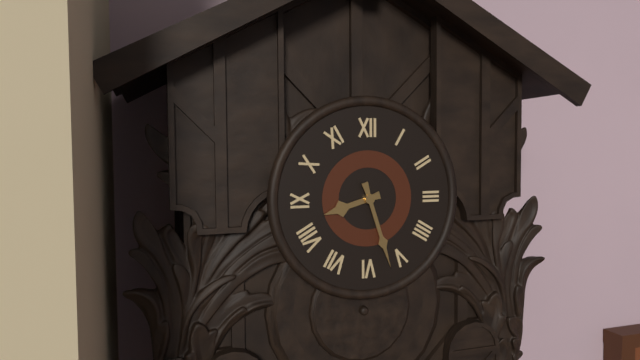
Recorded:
8,27
